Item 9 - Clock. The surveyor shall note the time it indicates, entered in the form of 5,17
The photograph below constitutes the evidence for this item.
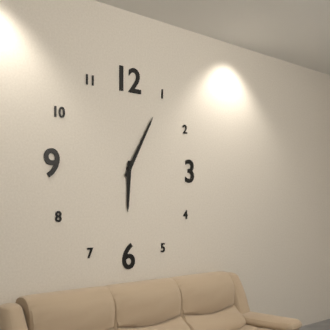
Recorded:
6,05
